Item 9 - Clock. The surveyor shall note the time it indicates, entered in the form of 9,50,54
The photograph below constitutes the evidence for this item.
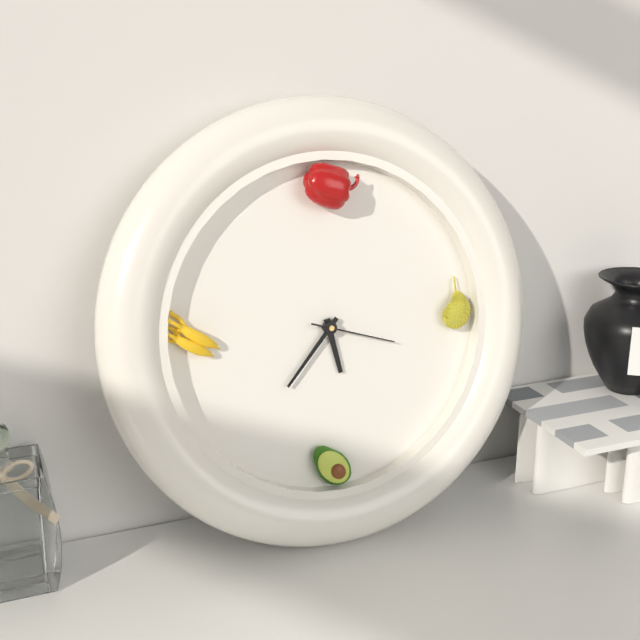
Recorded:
5,37,18
